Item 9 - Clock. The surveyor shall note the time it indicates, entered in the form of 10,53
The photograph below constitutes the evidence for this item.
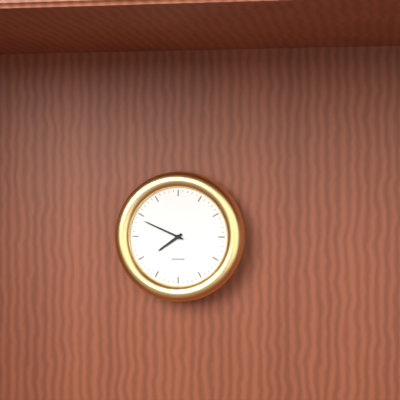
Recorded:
7,49
